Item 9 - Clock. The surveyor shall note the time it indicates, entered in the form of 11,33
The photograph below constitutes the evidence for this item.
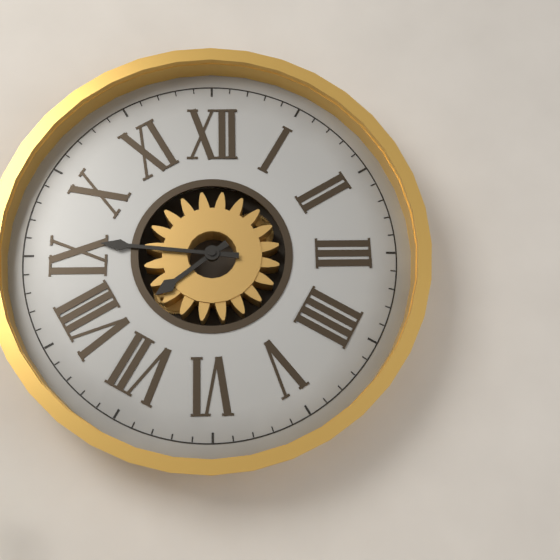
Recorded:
7,46
